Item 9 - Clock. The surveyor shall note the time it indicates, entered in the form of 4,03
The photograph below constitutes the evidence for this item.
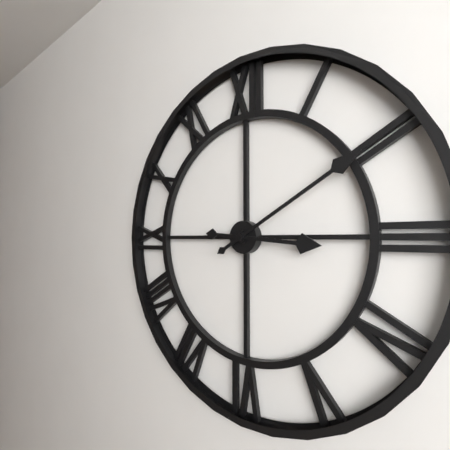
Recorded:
3,10
